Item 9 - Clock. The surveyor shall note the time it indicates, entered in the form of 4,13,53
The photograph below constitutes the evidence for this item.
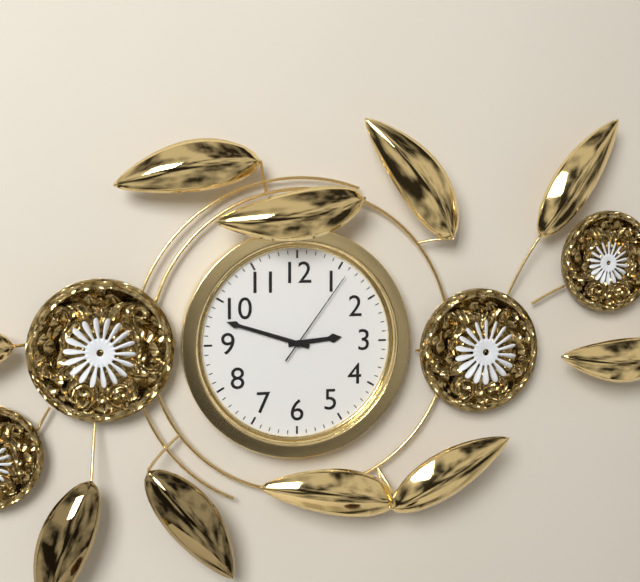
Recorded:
2,48,06
